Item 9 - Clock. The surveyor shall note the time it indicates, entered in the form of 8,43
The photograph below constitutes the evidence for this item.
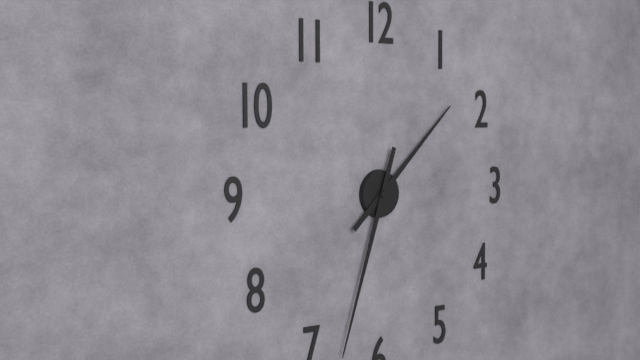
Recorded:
1,33
